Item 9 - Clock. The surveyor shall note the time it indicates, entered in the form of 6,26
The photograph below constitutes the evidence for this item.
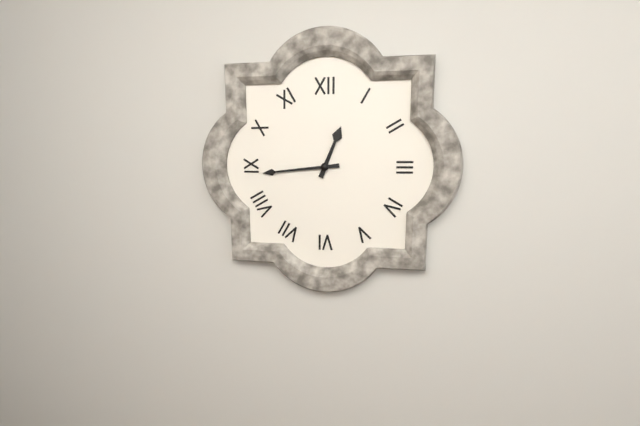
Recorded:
12,44
